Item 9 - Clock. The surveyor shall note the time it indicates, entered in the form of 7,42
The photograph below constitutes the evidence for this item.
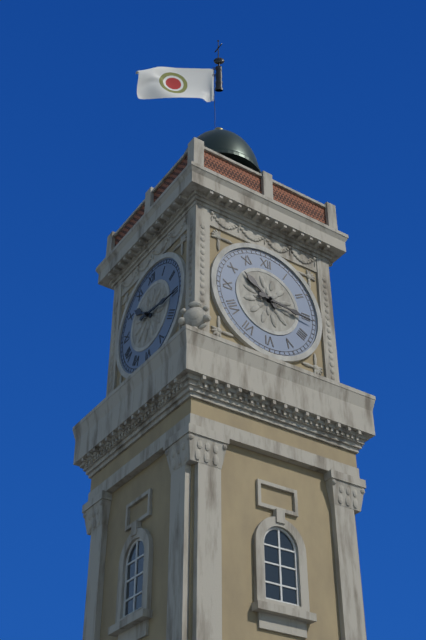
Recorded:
10,16
